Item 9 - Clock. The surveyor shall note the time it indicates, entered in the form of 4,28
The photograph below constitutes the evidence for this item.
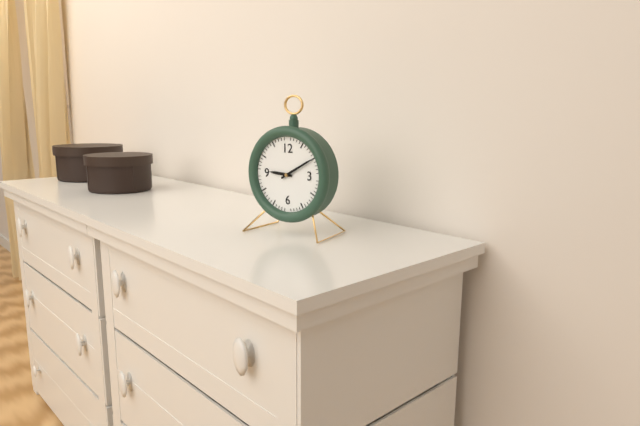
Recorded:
9,10
